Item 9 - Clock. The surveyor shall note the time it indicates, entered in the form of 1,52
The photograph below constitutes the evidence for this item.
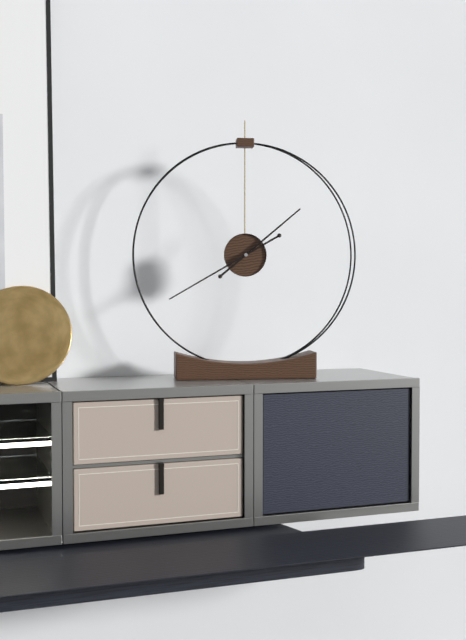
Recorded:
1,40
